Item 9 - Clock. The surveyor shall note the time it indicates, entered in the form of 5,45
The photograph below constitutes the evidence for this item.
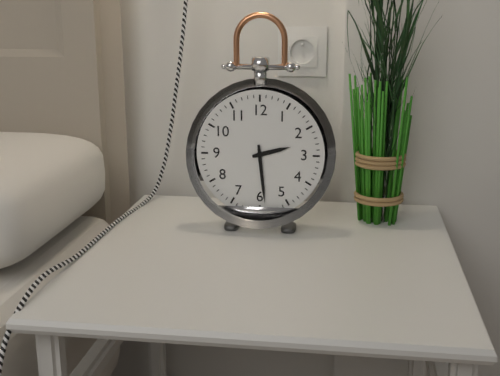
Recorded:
2,29
